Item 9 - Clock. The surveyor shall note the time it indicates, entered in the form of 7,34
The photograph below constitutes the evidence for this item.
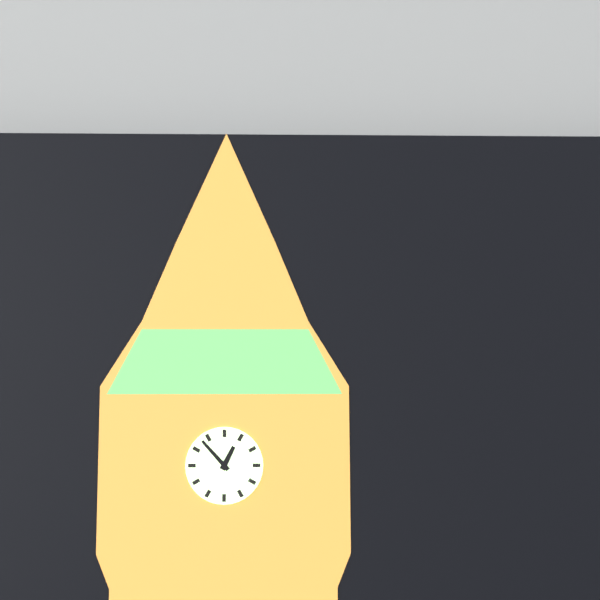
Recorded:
12,53
